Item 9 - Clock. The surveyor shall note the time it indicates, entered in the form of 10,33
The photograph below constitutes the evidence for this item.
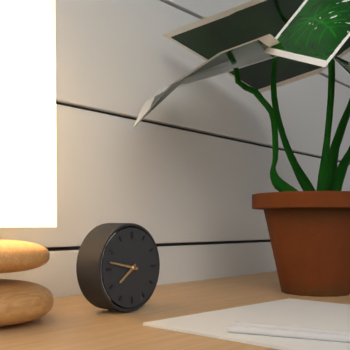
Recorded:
7,47
